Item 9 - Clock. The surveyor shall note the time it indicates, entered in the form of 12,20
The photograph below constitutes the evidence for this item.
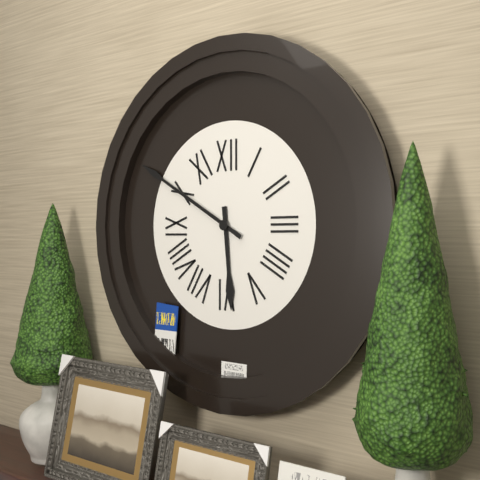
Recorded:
5,50
